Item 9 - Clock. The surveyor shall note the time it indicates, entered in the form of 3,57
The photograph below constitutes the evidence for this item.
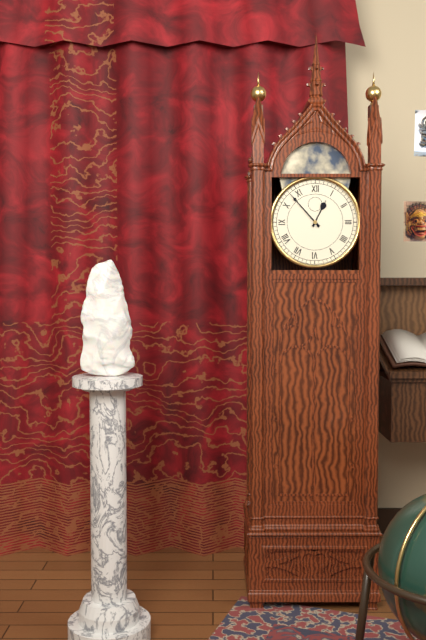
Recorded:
12,53
